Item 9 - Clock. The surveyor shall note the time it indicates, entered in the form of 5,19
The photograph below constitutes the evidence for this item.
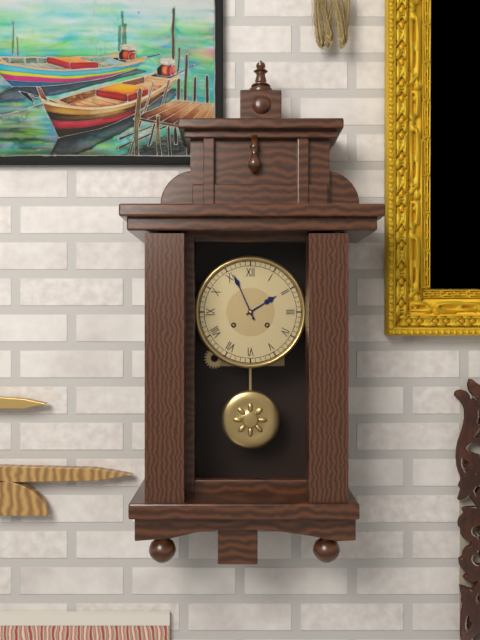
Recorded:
1,56
